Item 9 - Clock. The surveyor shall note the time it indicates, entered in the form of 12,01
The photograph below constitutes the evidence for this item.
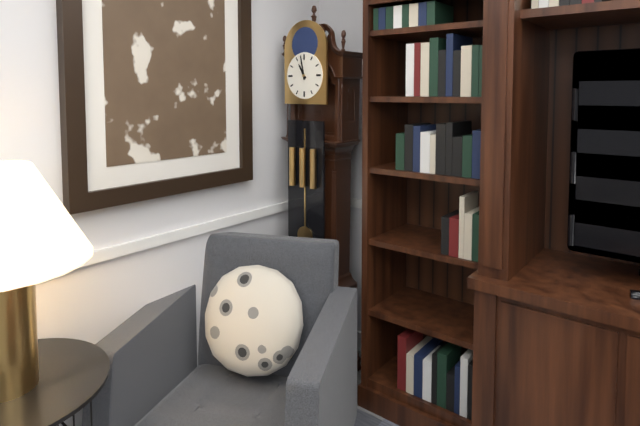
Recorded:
10,58
